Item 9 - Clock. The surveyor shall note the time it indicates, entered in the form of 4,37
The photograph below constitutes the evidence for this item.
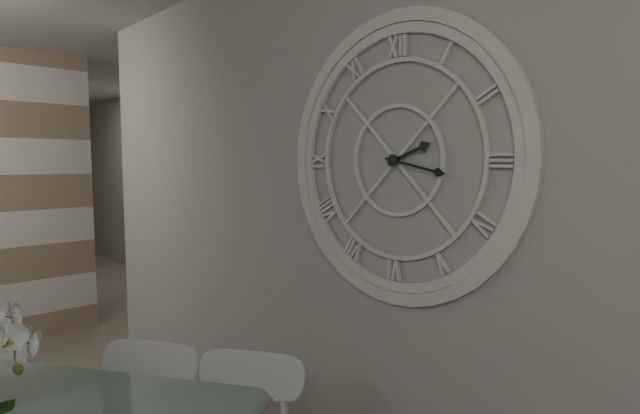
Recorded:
2,17
